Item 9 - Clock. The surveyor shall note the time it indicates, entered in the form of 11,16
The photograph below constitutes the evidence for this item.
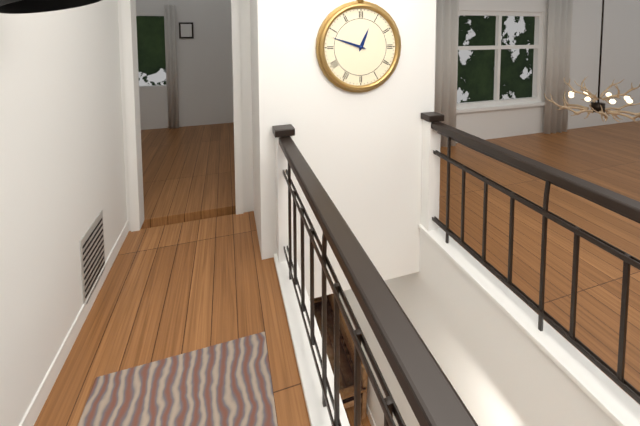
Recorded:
12,48
